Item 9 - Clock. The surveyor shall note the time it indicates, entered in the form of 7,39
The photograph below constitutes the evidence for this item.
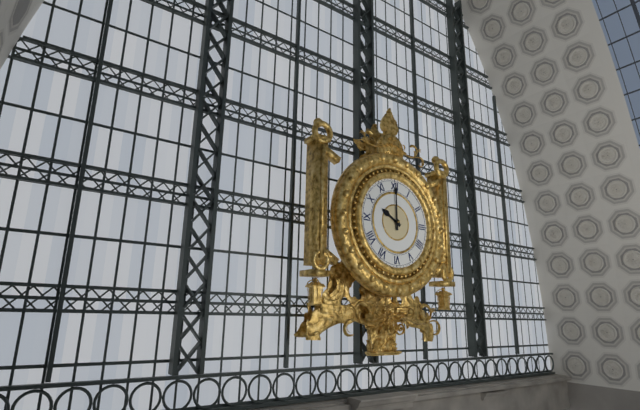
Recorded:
10,00
